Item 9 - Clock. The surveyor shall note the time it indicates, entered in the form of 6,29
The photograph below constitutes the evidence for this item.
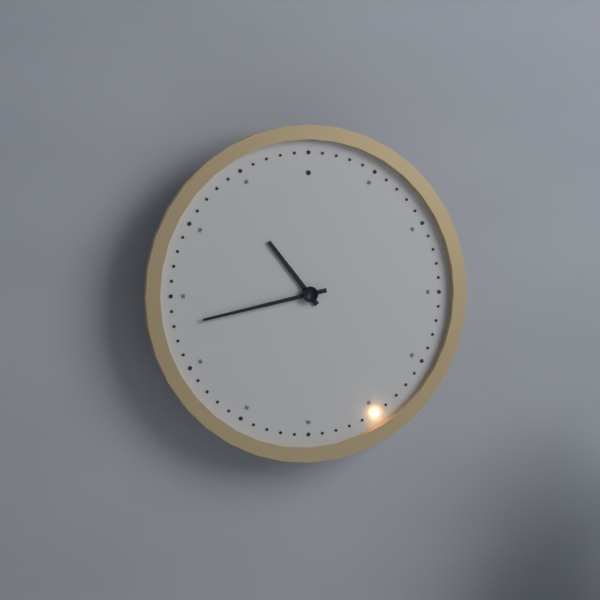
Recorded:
10,43
